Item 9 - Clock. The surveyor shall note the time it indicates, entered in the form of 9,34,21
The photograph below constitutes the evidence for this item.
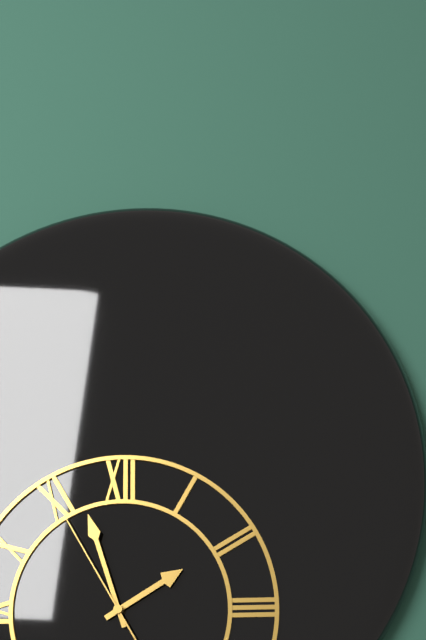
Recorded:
1,57,55
